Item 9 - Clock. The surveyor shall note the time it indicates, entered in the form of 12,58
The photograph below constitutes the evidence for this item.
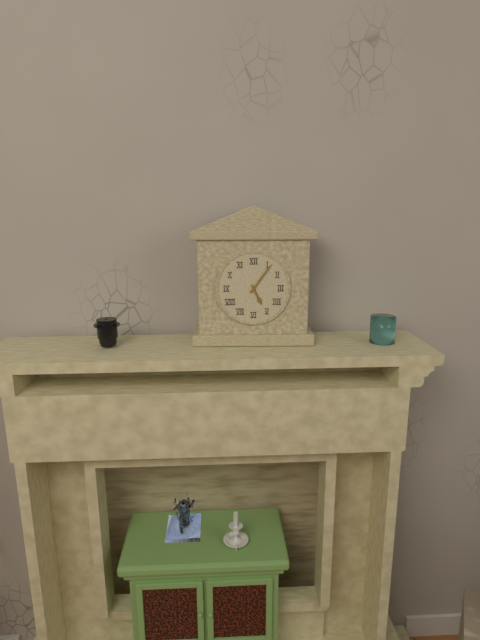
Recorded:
5,06
